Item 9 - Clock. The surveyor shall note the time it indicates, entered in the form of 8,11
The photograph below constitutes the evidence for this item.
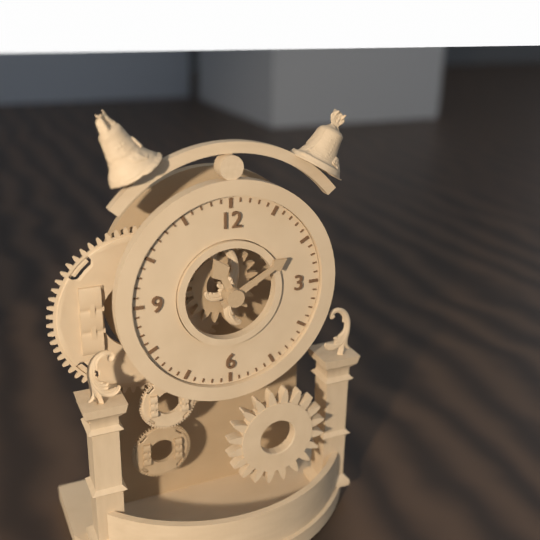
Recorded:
11,10
